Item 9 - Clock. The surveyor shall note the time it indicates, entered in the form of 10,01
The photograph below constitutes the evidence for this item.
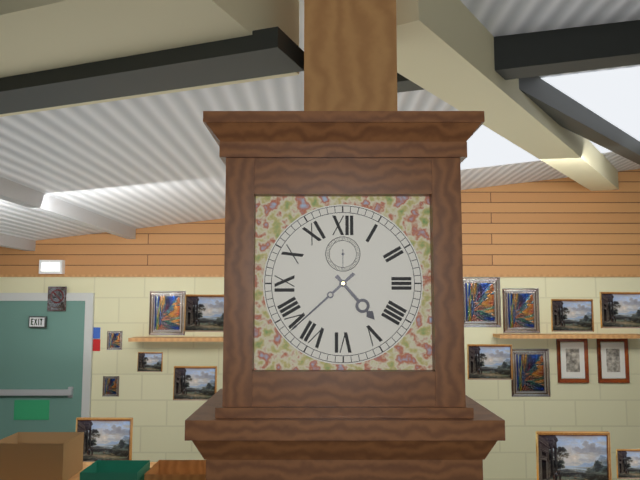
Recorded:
4,38
